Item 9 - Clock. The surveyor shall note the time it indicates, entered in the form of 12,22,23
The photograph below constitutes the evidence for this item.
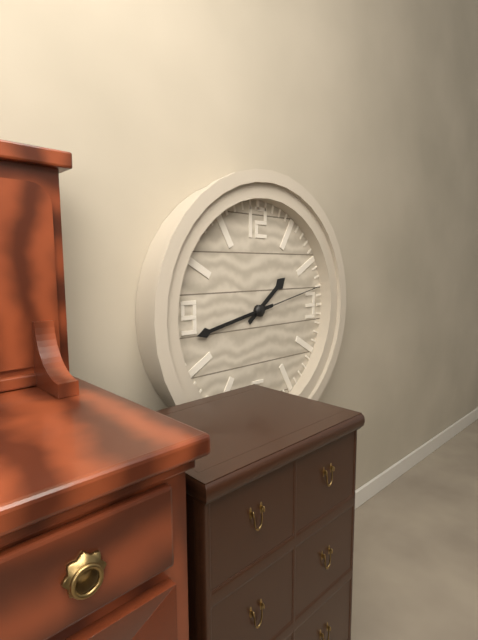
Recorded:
1,43,13
